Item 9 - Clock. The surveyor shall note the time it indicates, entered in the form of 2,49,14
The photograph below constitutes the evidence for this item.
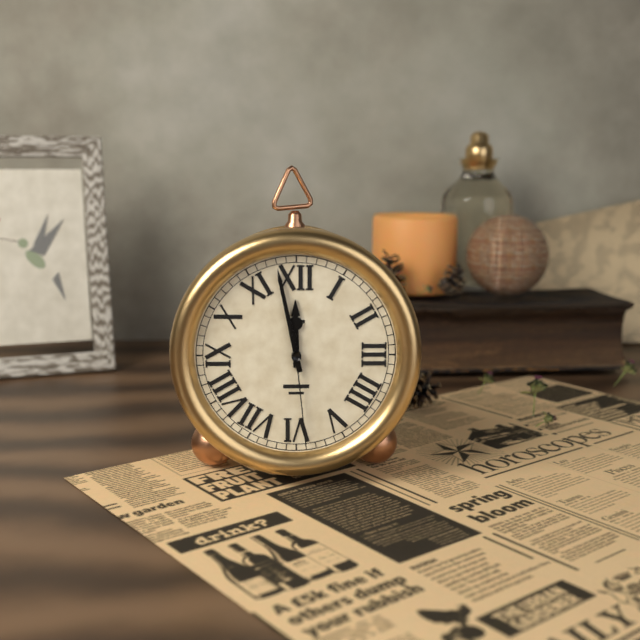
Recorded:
11,58,29
